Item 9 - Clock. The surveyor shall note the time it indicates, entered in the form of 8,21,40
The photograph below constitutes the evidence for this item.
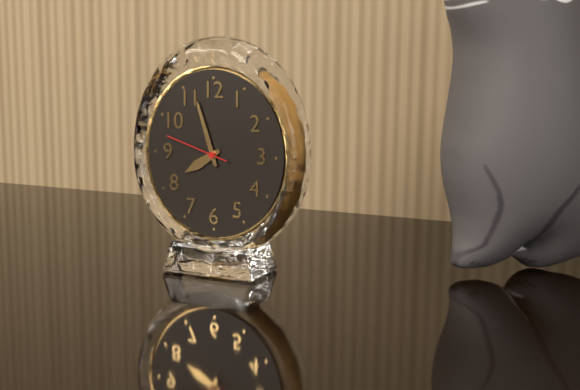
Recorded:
7,57,48
